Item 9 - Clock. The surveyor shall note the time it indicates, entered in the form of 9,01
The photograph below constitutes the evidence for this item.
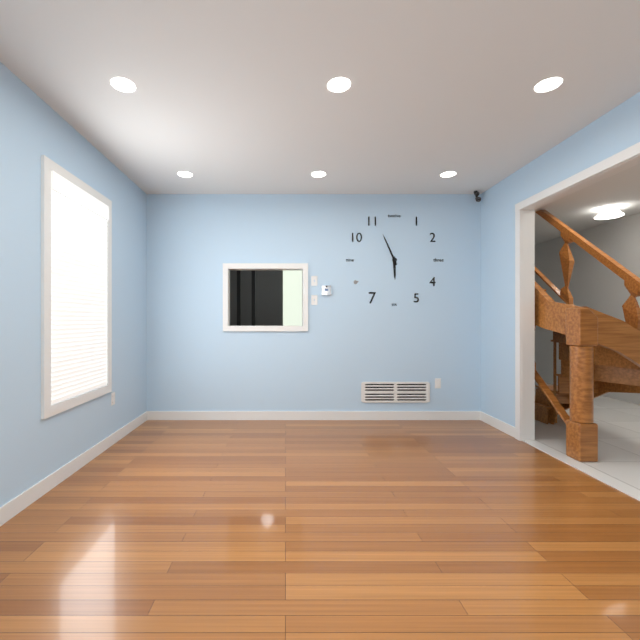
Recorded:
5,56
